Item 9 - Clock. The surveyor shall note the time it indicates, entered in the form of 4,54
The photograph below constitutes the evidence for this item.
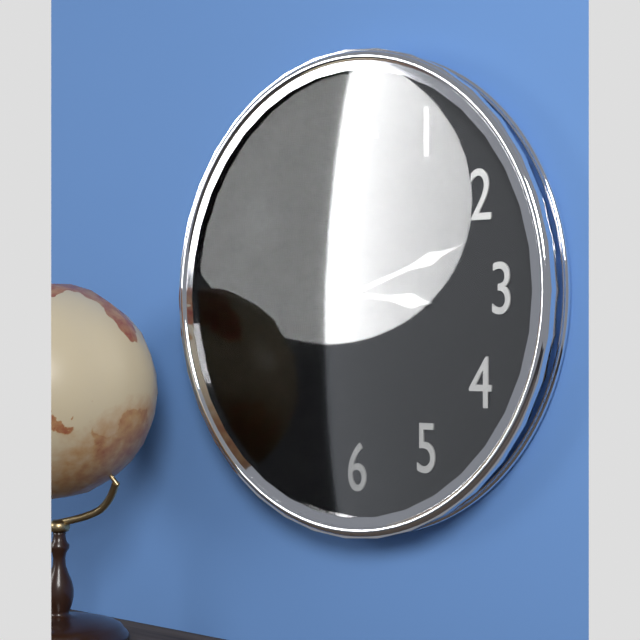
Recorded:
3,12
